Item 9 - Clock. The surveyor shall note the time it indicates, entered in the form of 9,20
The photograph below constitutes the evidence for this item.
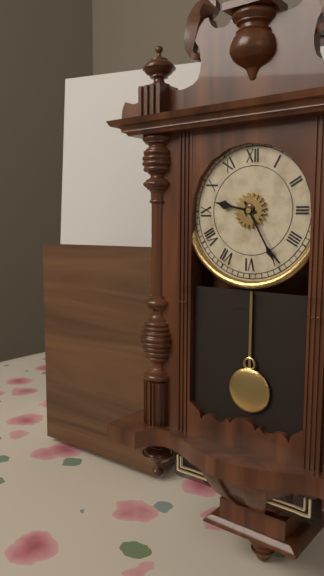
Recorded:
9,25
